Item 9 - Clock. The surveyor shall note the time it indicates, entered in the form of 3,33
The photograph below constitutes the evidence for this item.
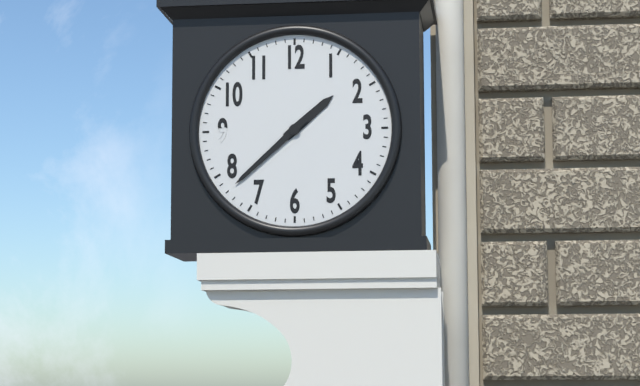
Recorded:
1,38
